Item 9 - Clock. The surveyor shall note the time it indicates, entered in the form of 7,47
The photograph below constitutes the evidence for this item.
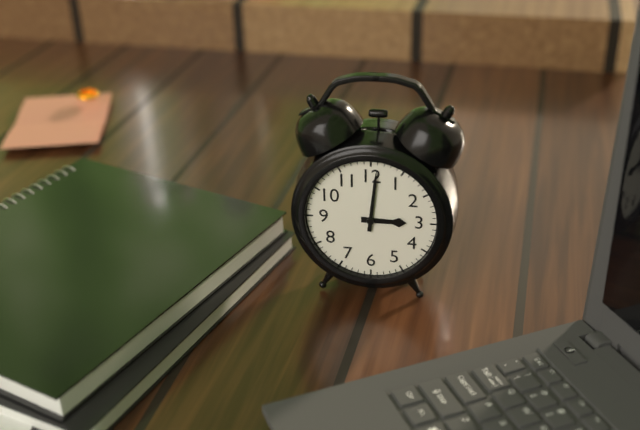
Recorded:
3,01
